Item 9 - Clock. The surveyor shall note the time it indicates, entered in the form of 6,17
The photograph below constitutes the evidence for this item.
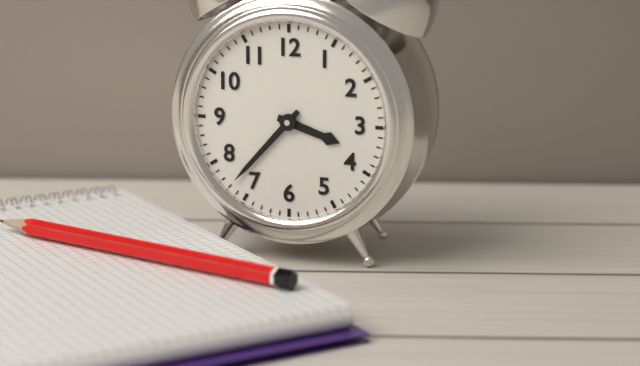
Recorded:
3,37
